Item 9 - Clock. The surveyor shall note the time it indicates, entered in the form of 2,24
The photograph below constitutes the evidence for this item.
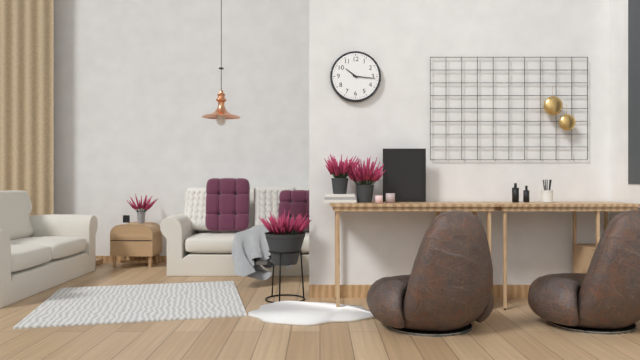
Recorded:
10,16
